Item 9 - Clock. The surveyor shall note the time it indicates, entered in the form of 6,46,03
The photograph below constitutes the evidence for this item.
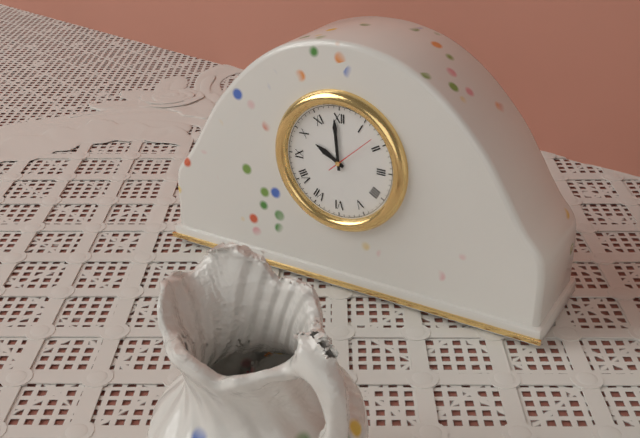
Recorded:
9,59,08
